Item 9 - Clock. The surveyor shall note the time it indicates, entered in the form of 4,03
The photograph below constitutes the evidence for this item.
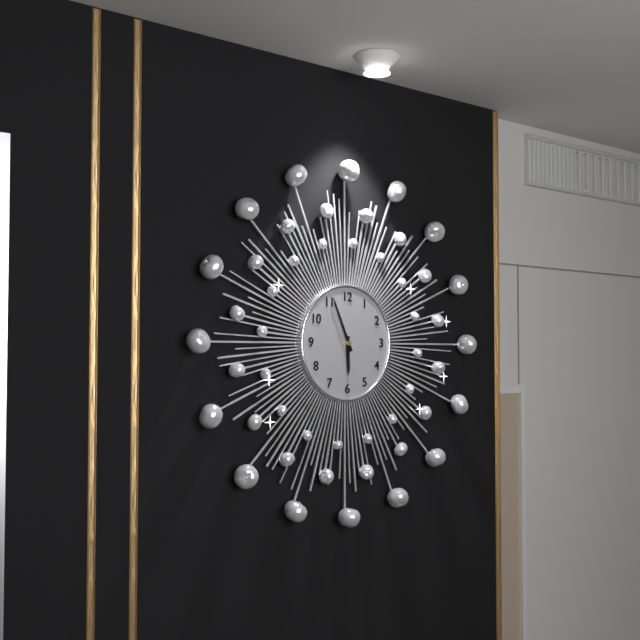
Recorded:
5,56
